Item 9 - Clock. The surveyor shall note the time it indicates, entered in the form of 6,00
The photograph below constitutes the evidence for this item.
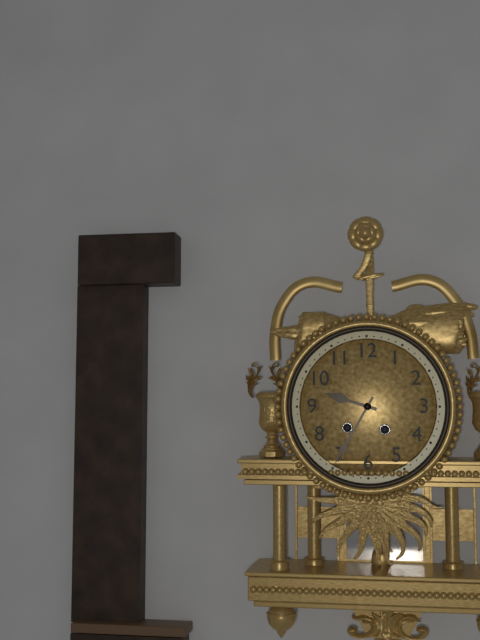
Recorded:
9,35
